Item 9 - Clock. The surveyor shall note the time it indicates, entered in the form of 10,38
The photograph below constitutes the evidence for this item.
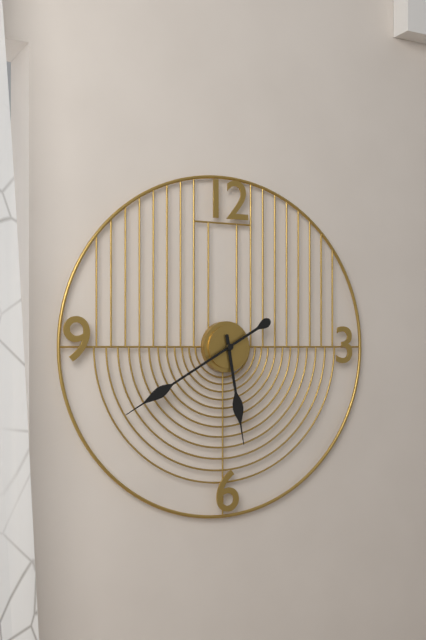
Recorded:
5,40
